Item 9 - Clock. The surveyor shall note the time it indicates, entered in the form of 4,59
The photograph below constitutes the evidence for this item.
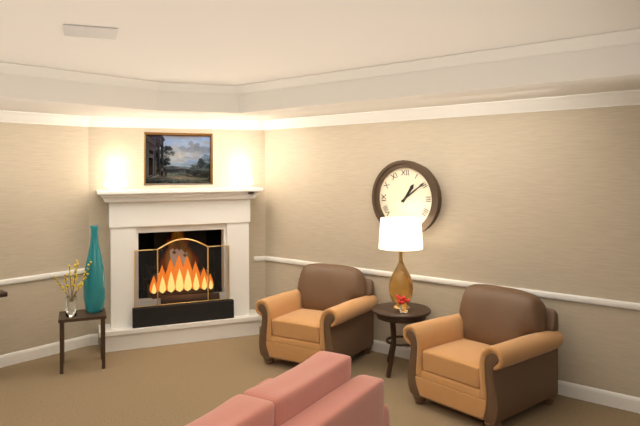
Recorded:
1,09
